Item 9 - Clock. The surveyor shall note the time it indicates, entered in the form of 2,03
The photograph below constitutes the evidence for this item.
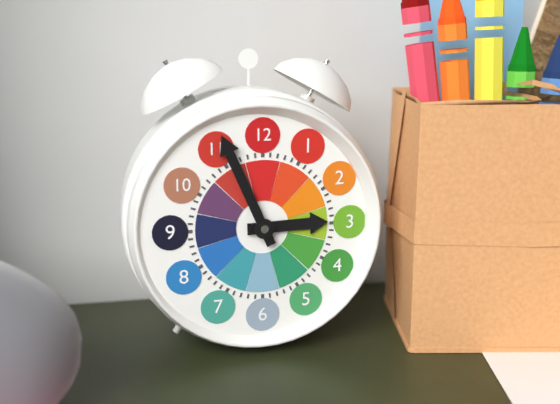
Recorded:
2,56
